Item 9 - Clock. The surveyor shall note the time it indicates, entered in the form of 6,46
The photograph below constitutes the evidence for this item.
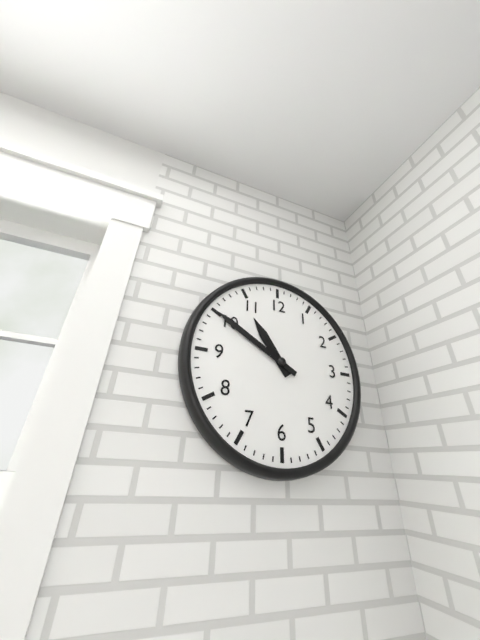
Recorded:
10,50
